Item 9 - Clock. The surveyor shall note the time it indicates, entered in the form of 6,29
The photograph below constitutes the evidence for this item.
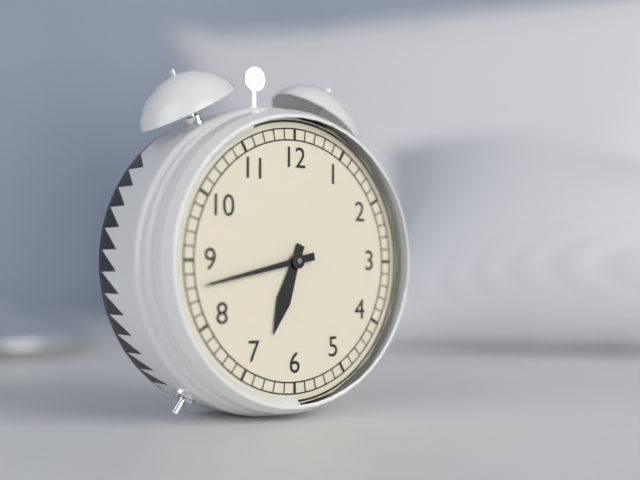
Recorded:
6,43
